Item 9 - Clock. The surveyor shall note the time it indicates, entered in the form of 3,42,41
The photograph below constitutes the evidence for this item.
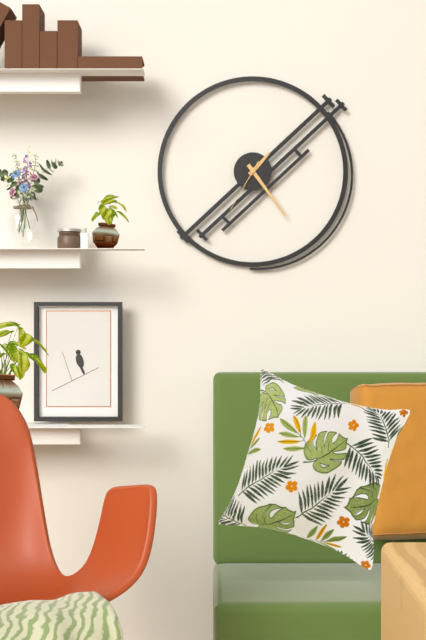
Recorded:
1,24,35
